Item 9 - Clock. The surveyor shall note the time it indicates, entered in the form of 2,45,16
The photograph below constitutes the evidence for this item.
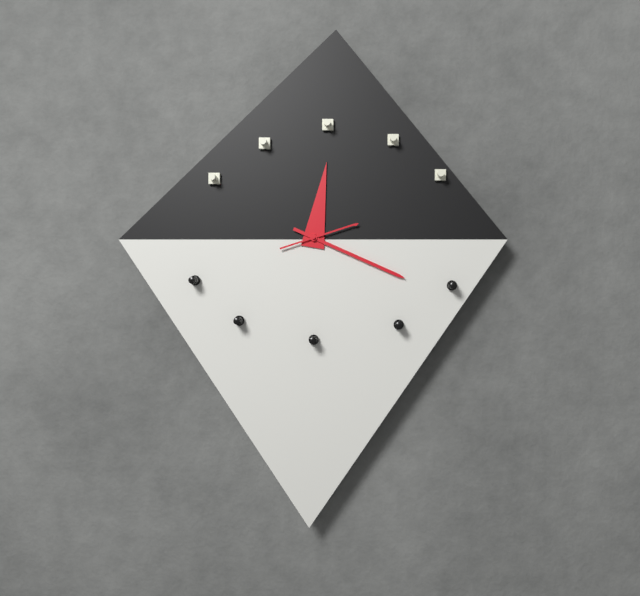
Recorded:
12,19,12
